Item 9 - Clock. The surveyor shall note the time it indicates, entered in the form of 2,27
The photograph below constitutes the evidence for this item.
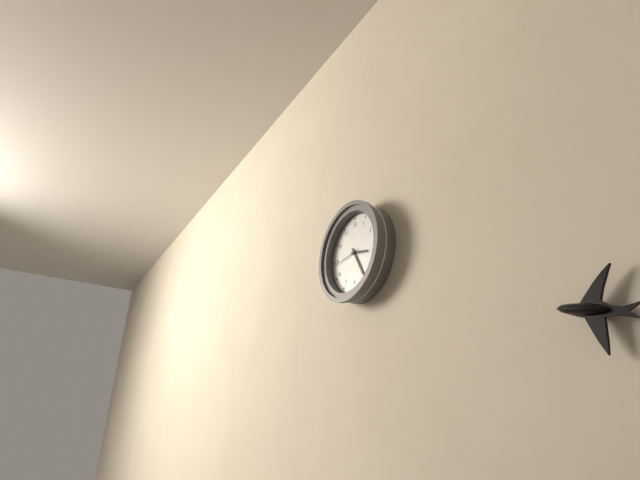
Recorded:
3,25
